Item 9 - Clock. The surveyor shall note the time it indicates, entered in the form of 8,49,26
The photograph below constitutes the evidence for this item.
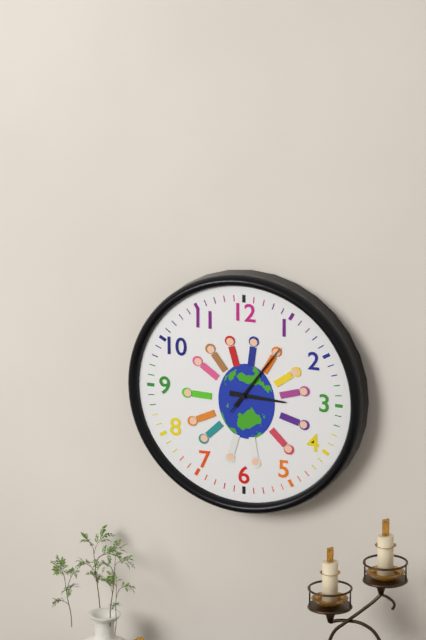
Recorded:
3,06,06
